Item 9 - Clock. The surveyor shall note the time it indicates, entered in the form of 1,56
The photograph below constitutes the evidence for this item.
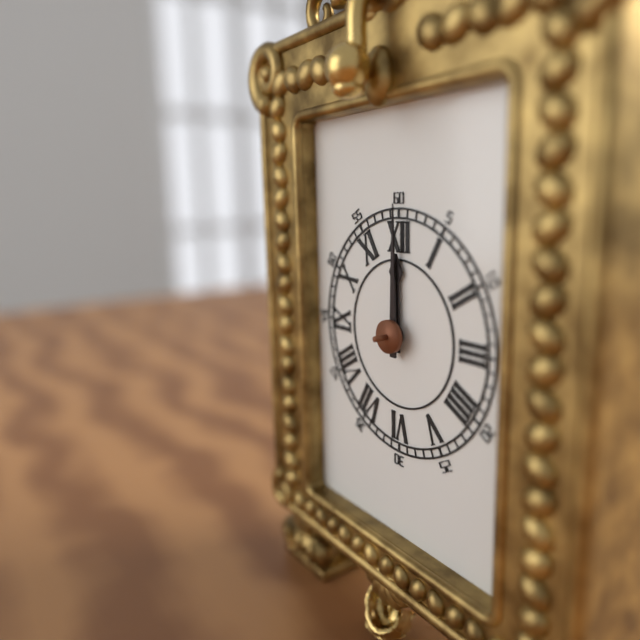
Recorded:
12,00
